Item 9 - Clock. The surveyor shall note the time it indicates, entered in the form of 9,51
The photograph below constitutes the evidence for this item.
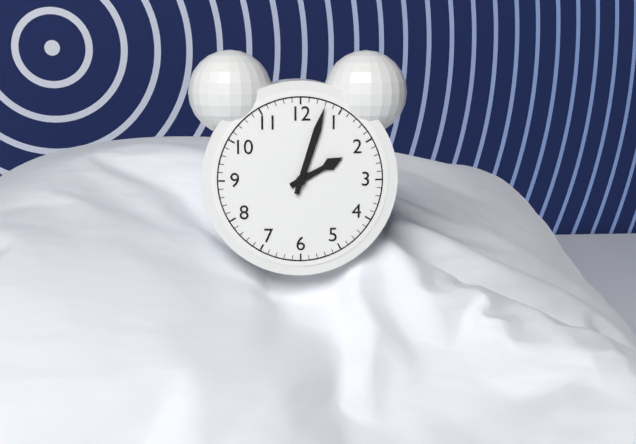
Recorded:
2,03
